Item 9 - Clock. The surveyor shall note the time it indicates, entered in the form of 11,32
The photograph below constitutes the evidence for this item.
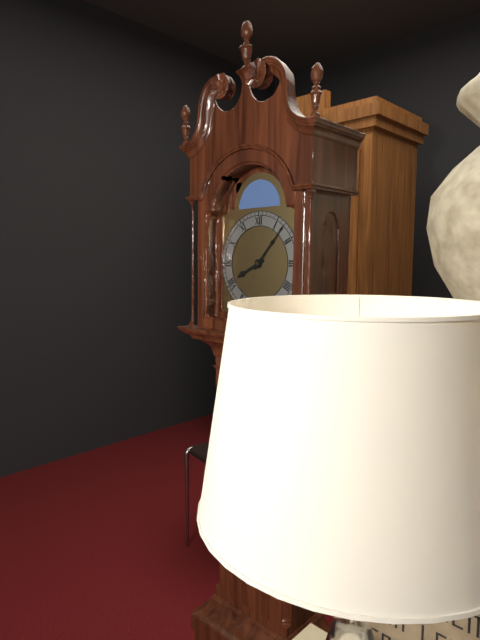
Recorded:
8,07
